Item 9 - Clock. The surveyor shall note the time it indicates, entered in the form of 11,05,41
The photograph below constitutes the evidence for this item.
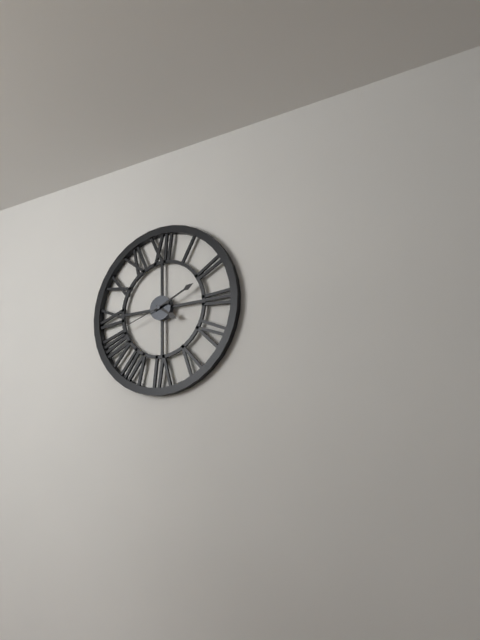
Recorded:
4,11,42
